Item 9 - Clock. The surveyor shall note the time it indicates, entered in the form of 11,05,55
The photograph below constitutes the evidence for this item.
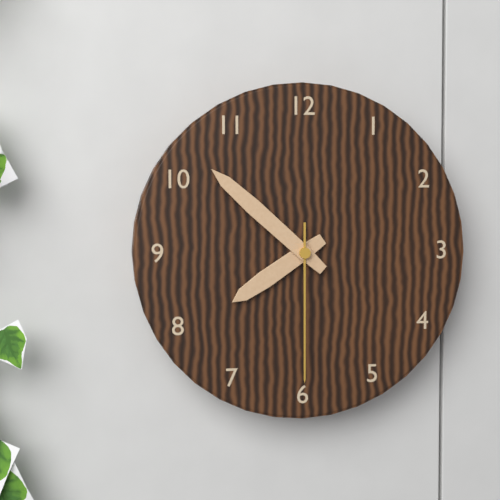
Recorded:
7,52,30
